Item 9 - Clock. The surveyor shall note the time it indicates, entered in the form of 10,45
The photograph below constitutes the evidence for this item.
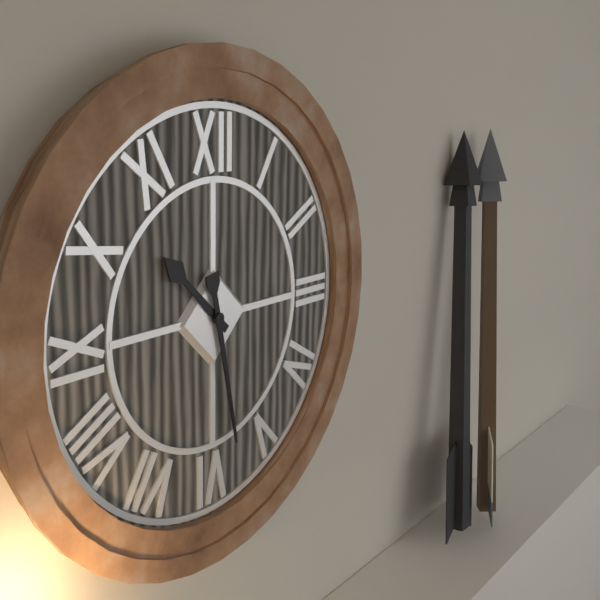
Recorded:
10,28
